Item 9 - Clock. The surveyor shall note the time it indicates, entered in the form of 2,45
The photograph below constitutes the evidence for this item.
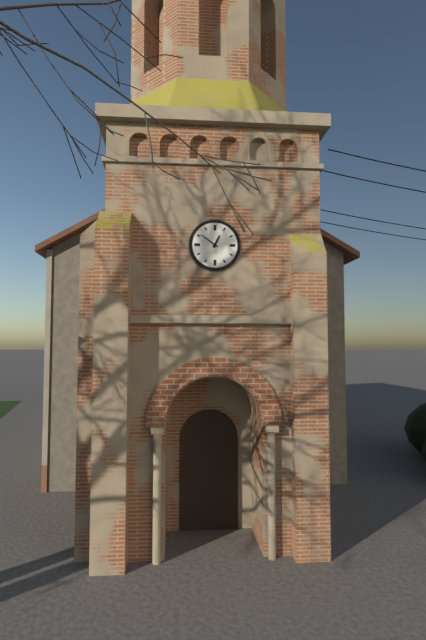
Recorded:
12,51
